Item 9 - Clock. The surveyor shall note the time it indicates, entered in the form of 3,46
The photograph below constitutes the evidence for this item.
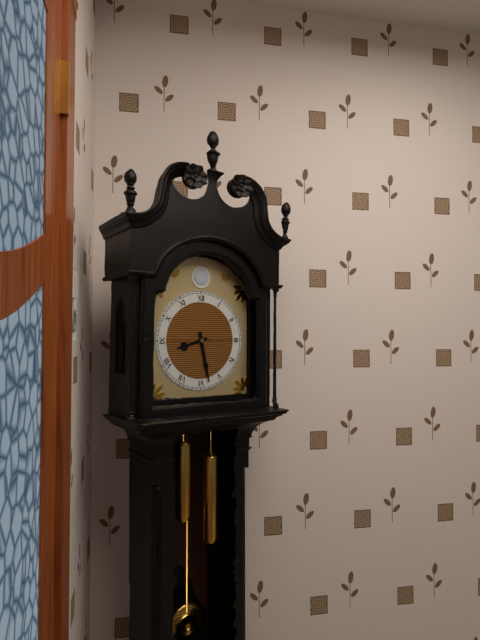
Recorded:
8,28
